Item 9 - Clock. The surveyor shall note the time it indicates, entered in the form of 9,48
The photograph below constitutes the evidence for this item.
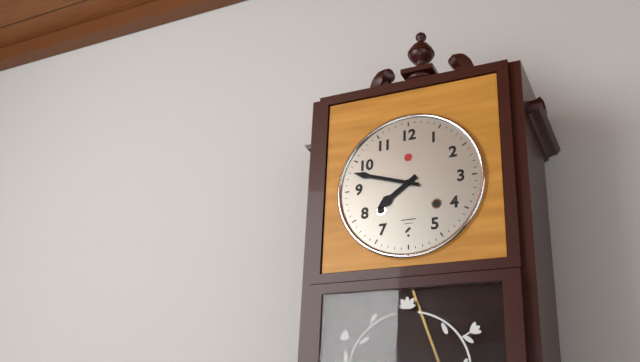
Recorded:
7,48
